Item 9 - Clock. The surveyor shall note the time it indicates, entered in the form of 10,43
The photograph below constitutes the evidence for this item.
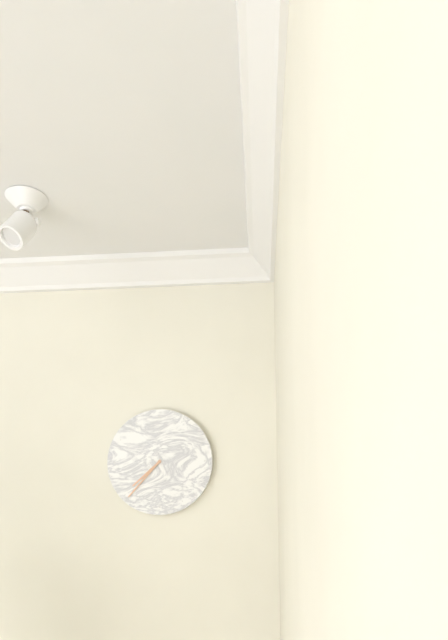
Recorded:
7,37
